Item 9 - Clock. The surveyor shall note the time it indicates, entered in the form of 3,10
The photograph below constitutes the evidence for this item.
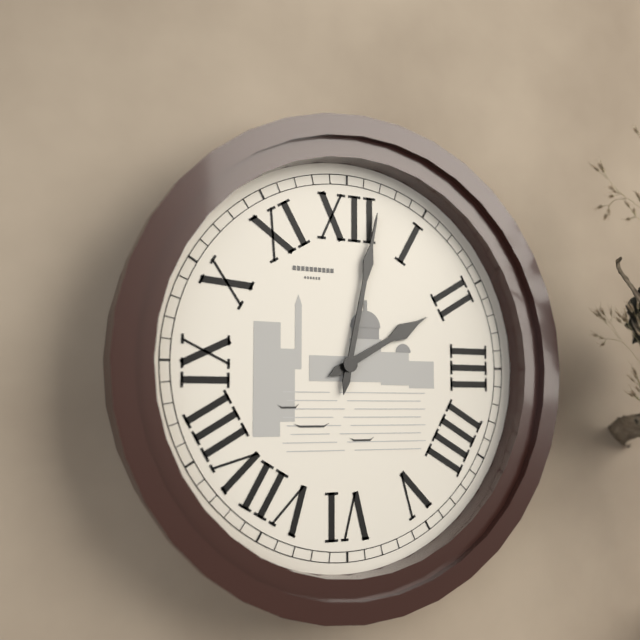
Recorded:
2,02
